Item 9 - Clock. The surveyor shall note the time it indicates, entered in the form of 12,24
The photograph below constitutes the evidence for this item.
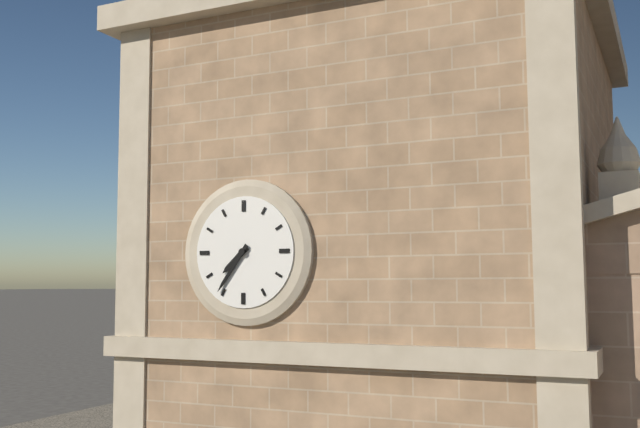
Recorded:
7,36
